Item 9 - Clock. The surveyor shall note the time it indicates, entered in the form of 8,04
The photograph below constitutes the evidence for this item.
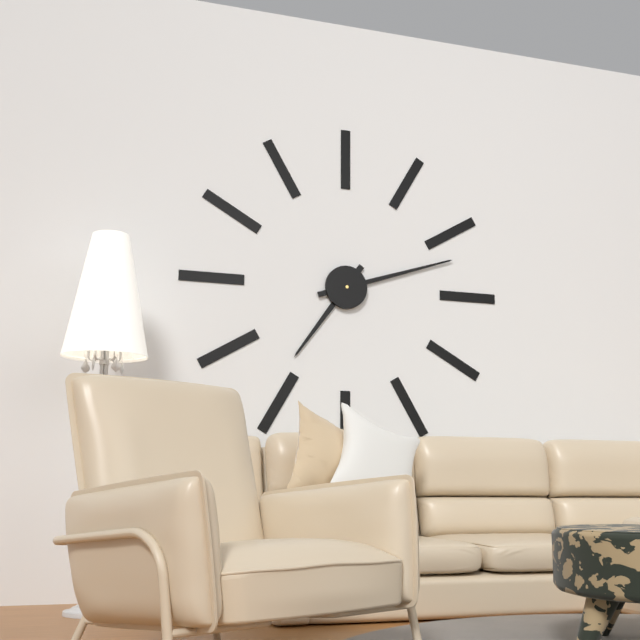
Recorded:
7,12
